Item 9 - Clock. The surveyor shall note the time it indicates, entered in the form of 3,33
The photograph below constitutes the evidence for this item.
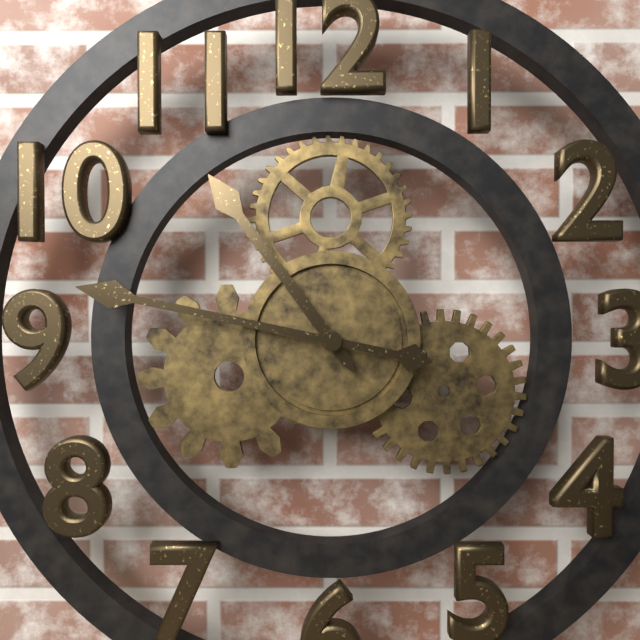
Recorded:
10,47
